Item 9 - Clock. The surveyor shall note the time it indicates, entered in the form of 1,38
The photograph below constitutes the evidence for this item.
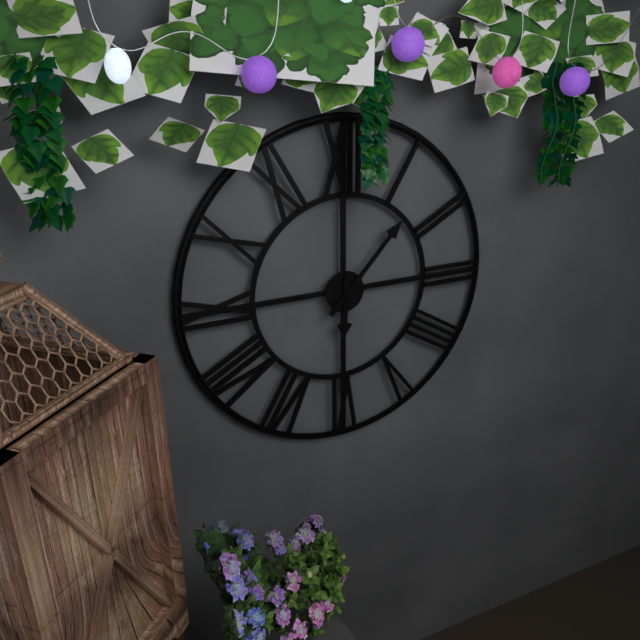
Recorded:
6,07
